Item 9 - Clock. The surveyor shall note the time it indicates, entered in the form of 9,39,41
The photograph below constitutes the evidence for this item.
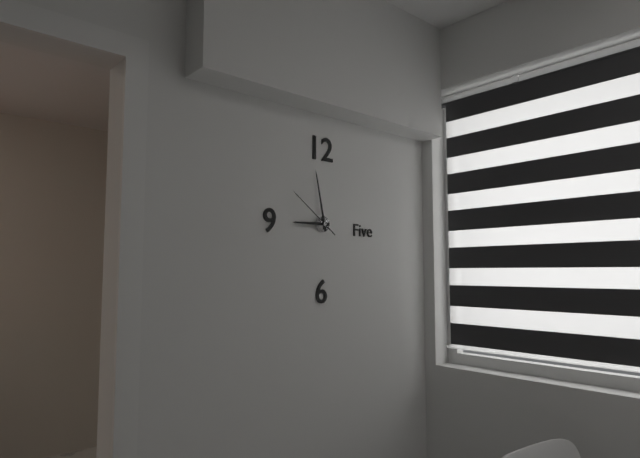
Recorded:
8,58,51
